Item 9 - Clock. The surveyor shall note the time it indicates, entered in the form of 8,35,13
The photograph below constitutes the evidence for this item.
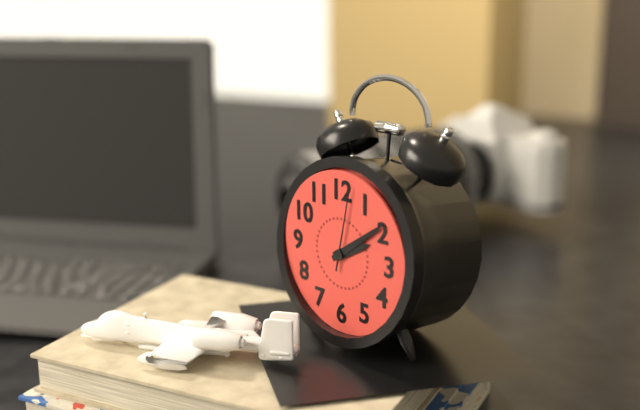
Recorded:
2,09,02
